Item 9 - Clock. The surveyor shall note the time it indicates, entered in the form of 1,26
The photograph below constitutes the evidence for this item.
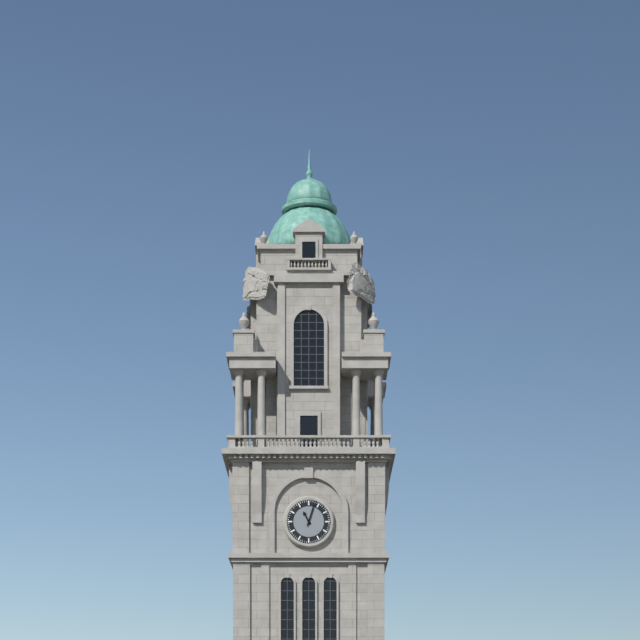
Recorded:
11,03
